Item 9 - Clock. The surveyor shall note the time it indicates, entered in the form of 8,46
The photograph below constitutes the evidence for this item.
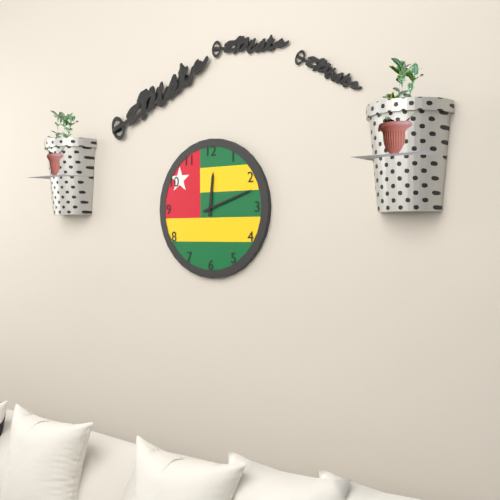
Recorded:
12,12
